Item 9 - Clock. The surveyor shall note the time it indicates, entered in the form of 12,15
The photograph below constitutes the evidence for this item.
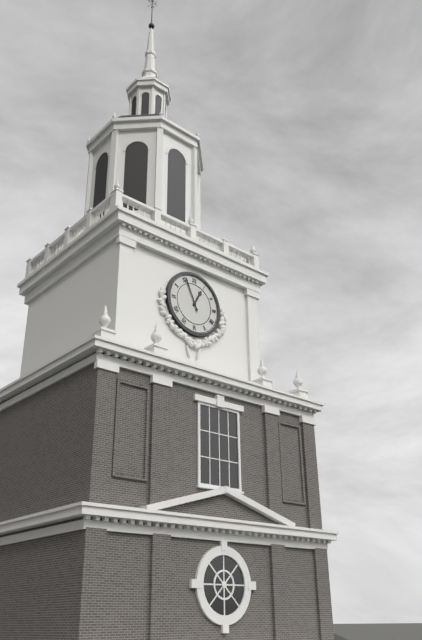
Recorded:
12,56
